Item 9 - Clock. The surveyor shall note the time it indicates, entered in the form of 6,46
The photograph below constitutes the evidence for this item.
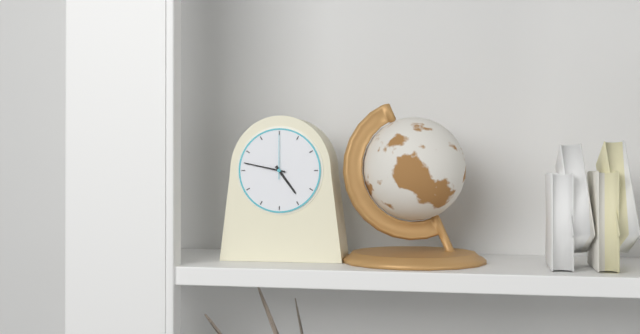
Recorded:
4,47
